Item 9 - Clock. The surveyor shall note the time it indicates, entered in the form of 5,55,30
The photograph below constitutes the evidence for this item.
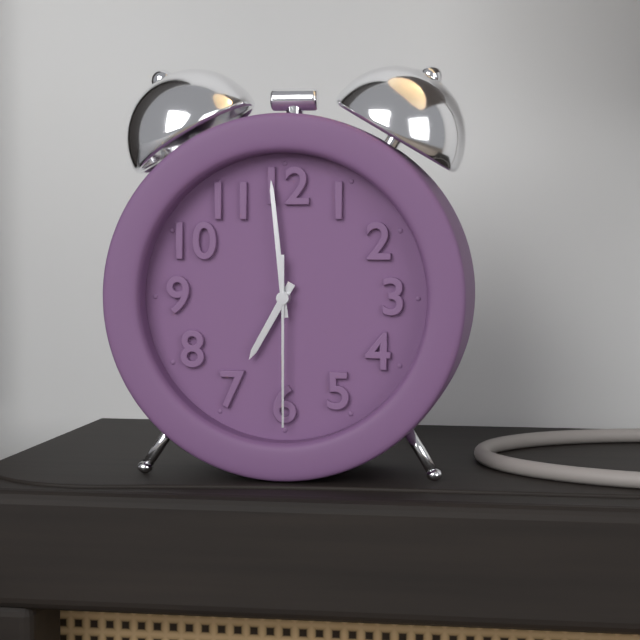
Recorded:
6,59,30
